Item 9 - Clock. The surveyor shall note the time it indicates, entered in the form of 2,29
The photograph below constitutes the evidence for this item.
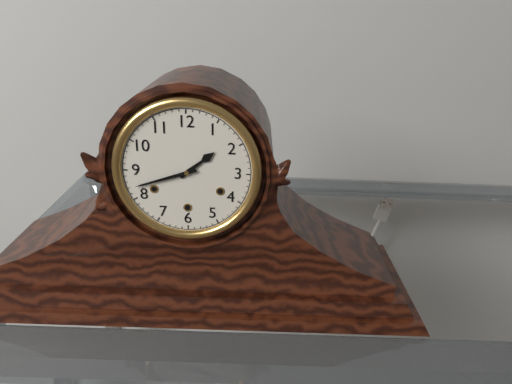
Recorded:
1,42
